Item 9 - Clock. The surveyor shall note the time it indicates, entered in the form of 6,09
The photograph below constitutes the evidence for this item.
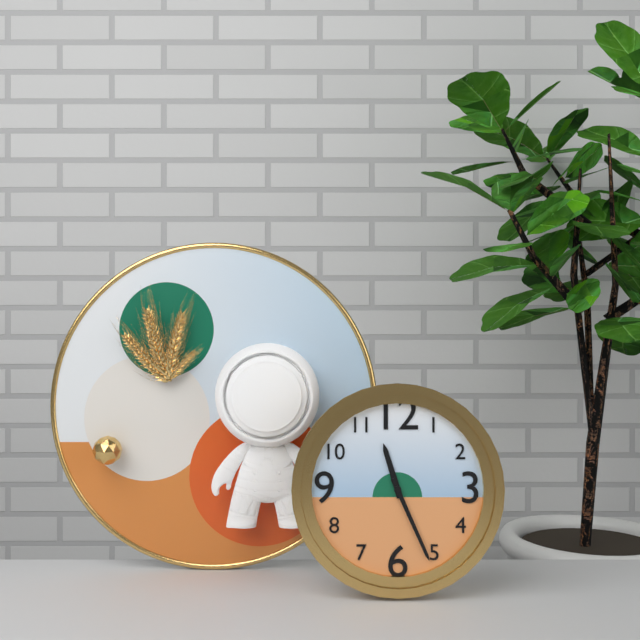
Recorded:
11,26
